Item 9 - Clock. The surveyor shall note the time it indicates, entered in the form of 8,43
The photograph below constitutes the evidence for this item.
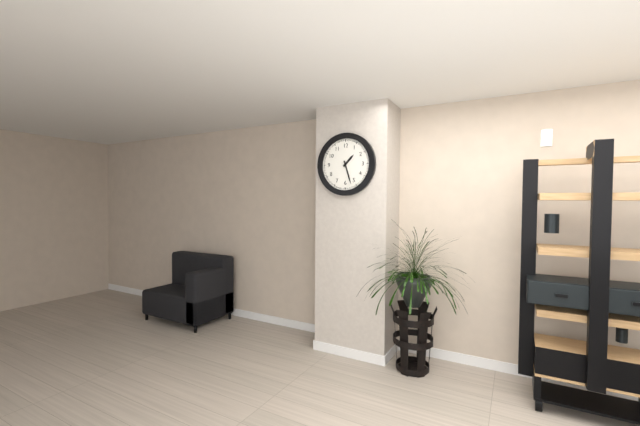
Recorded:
1,27
